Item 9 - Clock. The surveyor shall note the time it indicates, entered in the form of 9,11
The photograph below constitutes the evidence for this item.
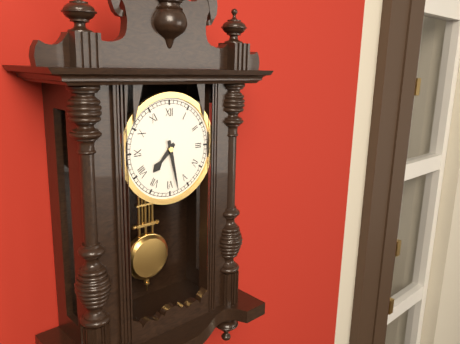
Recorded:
7,28
